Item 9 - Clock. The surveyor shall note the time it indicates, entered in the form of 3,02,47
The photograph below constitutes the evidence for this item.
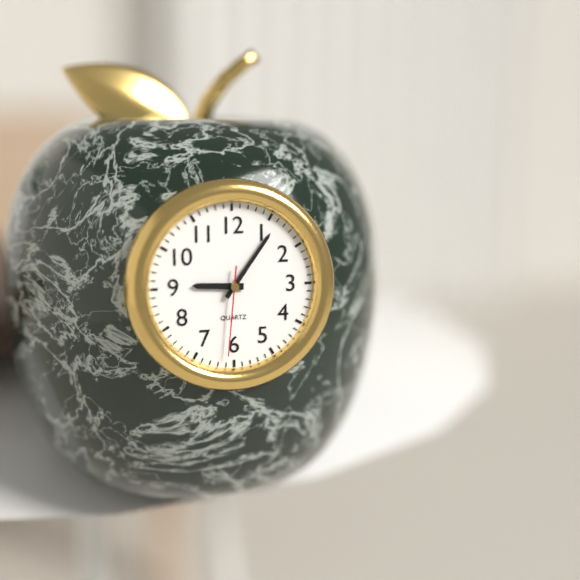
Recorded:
9,06,31
